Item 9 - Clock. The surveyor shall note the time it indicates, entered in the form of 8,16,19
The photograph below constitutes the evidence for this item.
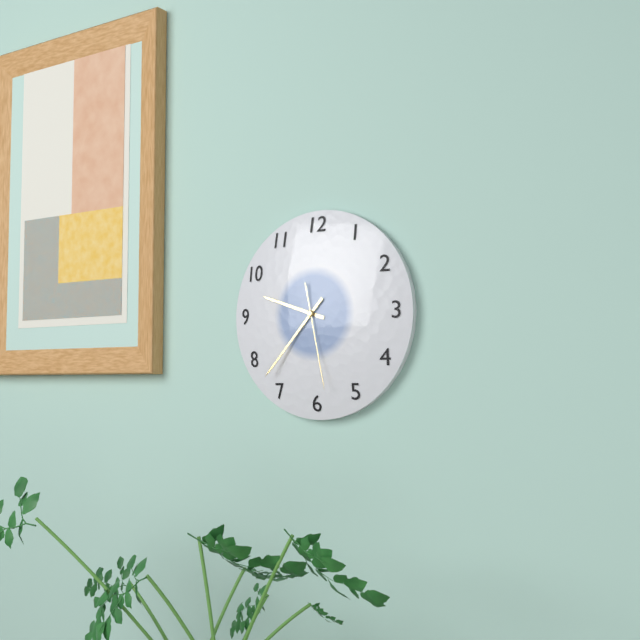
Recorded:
9,37,28
